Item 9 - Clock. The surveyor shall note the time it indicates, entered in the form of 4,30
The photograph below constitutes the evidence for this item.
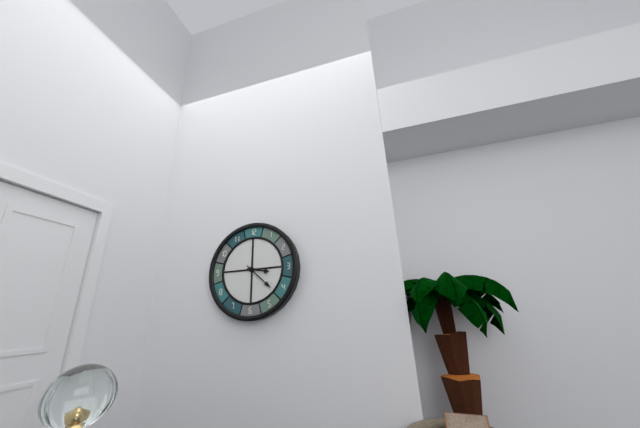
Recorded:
3,22
